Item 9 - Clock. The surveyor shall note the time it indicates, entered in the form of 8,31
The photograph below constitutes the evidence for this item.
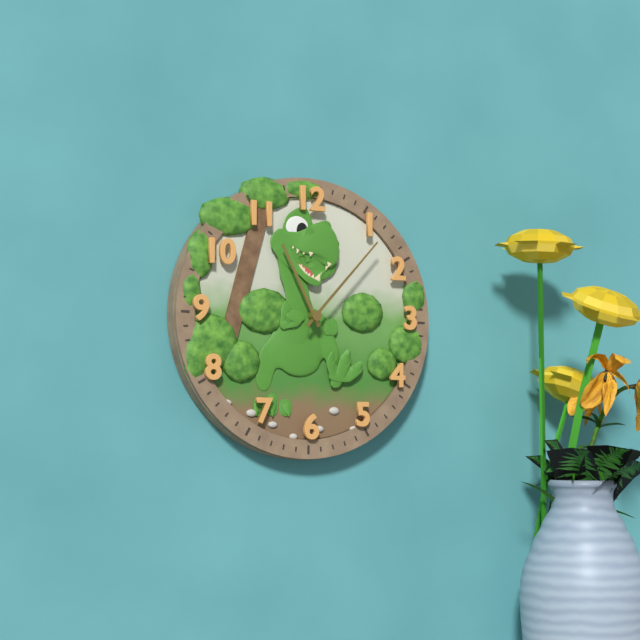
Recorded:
11,07
